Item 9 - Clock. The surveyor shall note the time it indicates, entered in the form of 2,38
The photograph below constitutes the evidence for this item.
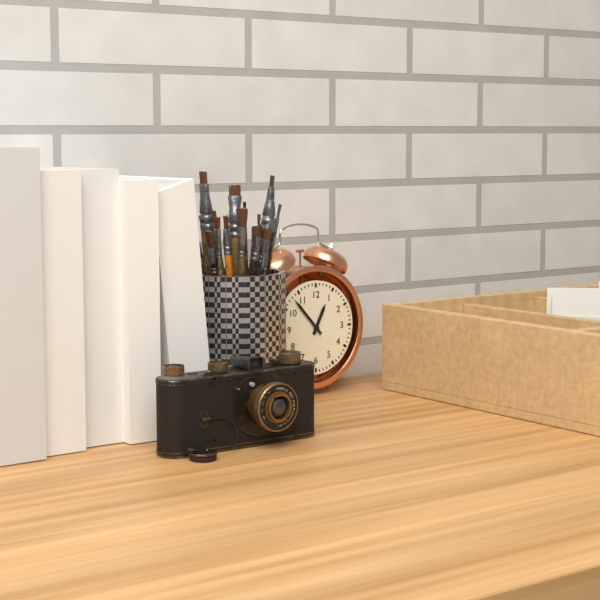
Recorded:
12,53
